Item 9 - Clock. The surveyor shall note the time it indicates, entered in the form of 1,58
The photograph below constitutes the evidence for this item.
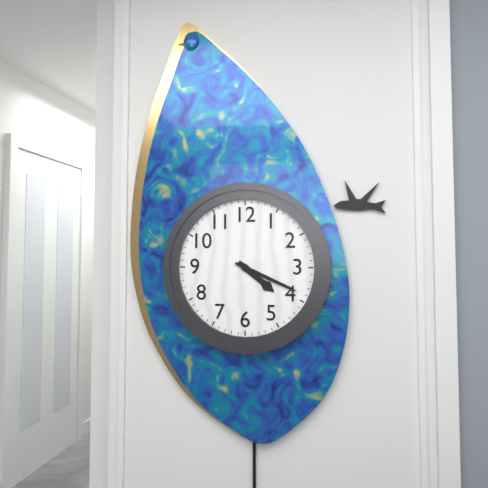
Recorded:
4,19
